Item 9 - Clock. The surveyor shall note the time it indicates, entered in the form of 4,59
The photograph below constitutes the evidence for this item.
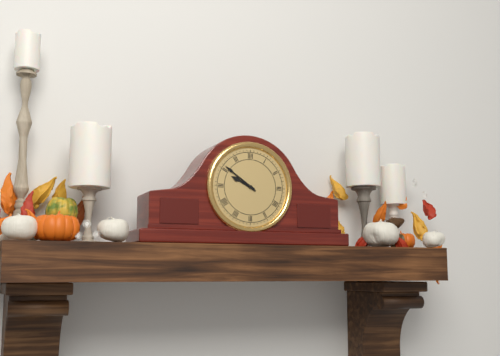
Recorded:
9,51
